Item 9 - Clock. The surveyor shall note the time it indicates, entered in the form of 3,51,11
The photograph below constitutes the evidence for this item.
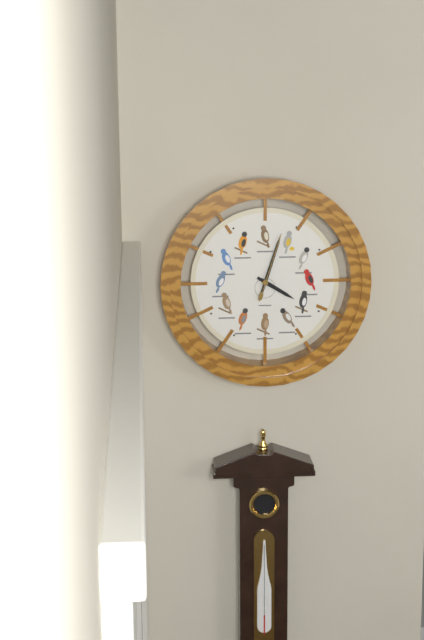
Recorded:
4,03,03
